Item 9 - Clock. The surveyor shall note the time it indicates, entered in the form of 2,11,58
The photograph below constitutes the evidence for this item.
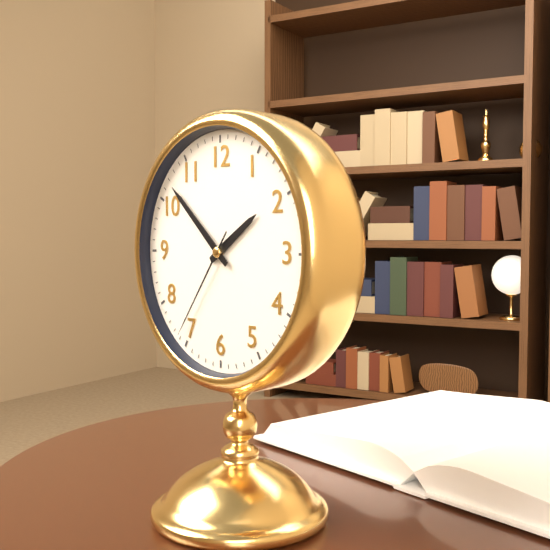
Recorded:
1,52,36
